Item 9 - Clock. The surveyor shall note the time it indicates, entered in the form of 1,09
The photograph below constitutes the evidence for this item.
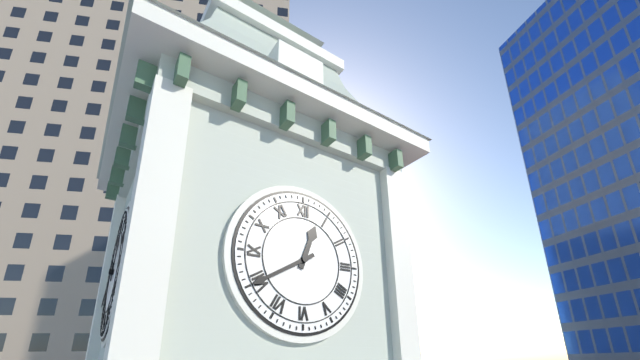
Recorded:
12,40
